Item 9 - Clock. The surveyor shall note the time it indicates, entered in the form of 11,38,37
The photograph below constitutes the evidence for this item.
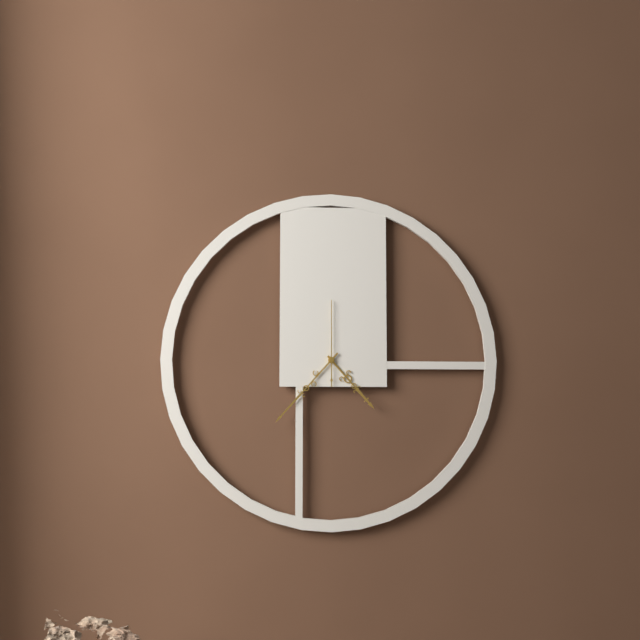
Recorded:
4,37,00
